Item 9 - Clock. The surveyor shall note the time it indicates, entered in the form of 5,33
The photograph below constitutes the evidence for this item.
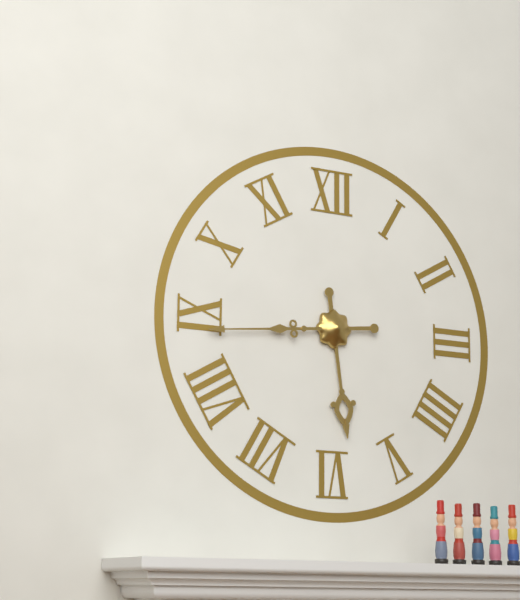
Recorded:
5,44
